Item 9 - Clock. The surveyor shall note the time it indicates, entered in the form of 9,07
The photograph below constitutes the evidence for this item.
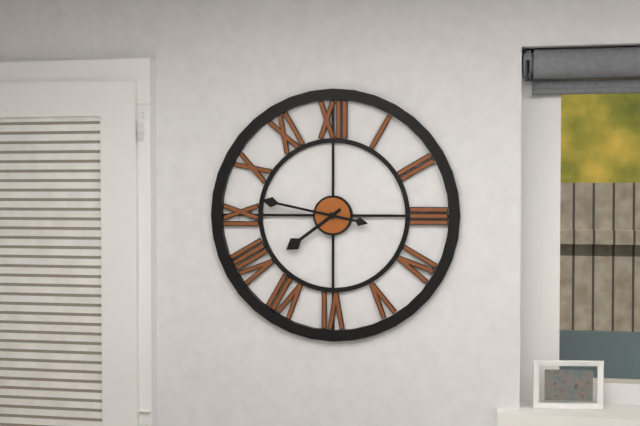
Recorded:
7,47
